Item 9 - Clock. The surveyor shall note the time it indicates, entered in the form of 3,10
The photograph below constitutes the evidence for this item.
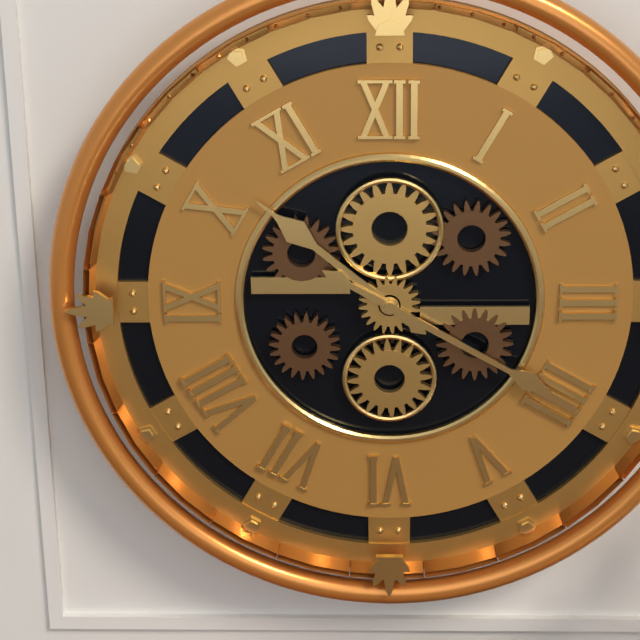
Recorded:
10,20
